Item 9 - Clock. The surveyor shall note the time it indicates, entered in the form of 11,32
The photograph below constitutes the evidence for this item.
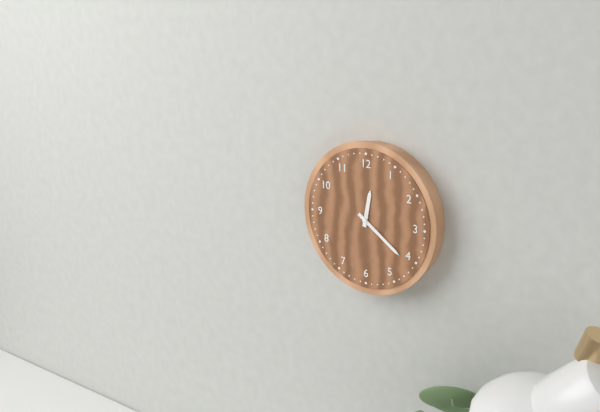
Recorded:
12,21
